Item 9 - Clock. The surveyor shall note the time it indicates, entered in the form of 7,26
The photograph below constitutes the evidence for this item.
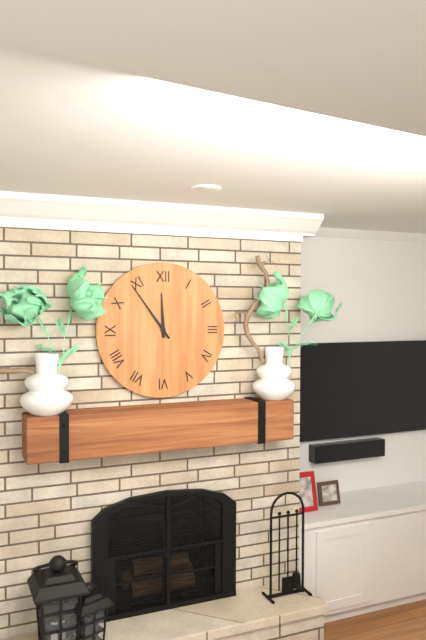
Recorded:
11,54
